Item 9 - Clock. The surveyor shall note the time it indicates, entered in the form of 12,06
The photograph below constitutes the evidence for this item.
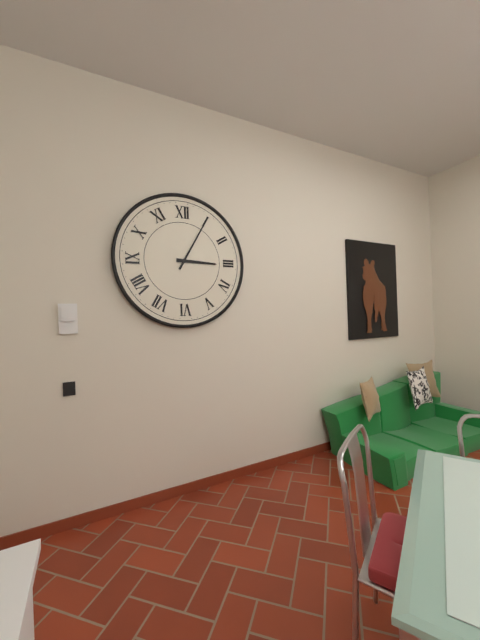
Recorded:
3,05
